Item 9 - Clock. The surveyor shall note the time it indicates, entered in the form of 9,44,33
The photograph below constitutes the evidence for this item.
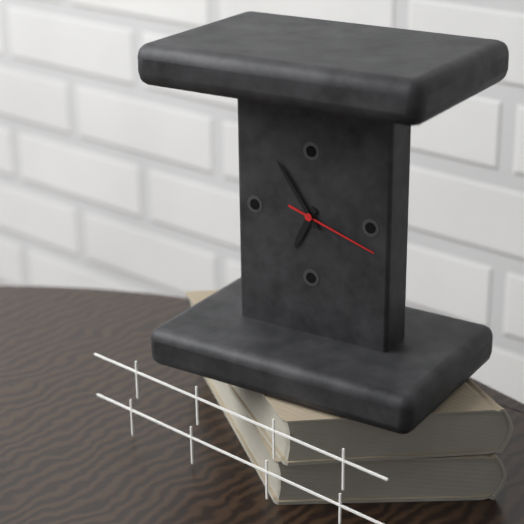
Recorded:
6,54,18
